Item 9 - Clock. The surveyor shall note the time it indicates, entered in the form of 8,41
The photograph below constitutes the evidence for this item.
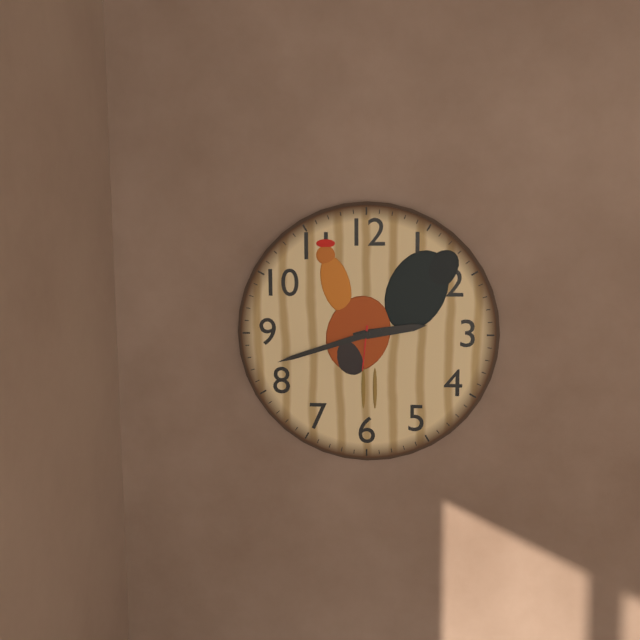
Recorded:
2,42
